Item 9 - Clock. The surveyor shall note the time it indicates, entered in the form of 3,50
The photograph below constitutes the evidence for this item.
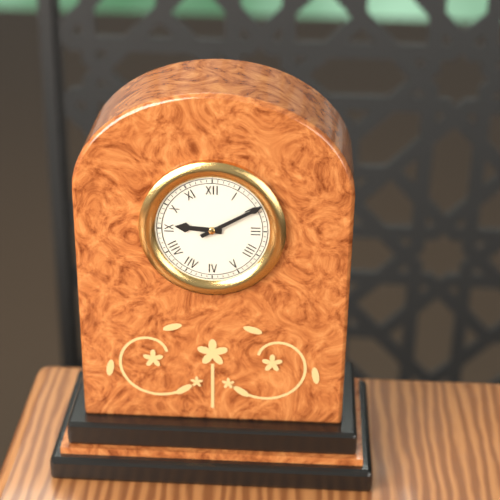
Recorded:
9,10
